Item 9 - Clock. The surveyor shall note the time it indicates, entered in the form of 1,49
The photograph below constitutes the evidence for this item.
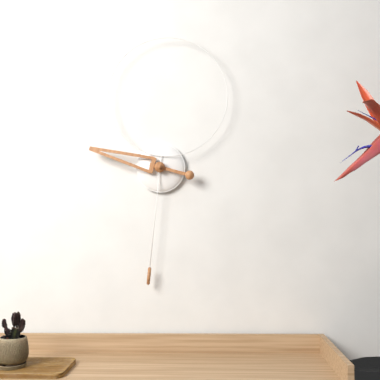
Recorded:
9,31
